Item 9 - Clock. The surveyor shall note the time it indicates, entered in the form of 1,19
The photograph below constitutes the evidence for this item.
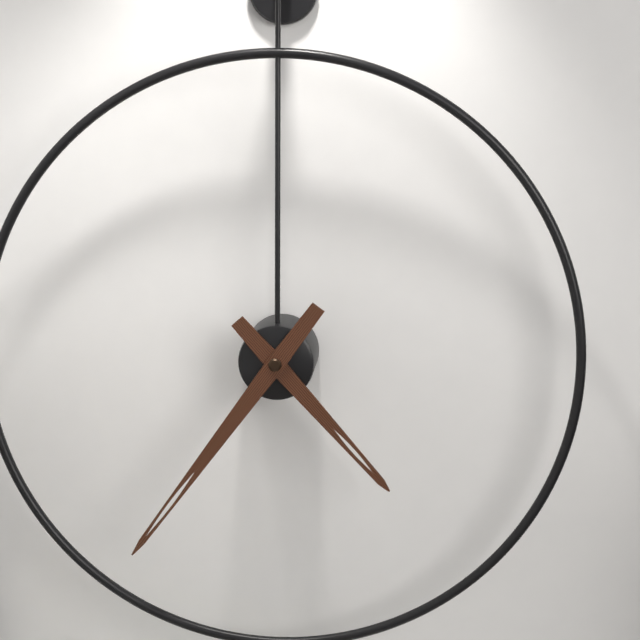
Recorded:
4,36
